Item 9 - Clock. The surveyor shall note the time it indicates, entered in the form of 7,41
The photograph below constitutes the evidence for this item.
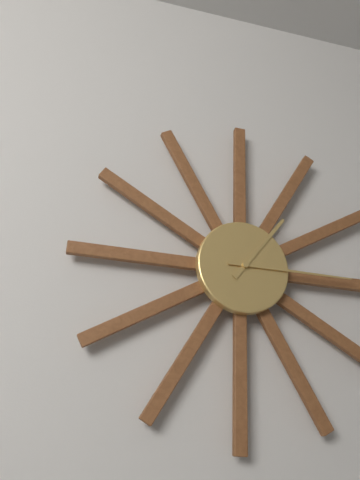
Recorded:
1,15
